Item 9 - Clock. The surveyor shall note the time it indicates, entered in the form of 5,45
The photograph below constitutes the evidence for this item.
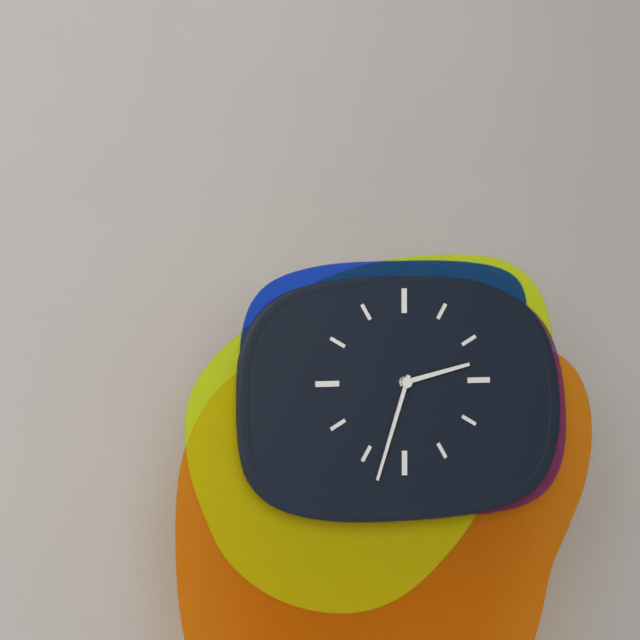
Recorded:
2,33
